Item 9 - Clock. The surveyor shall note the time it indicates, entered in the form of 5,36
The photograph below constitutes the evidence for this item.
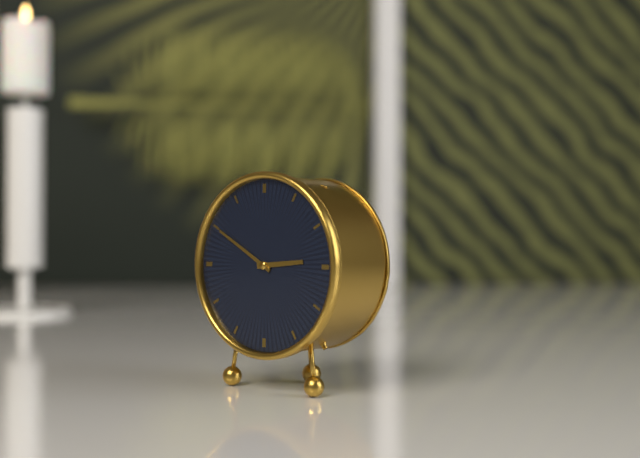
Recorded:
2,50
